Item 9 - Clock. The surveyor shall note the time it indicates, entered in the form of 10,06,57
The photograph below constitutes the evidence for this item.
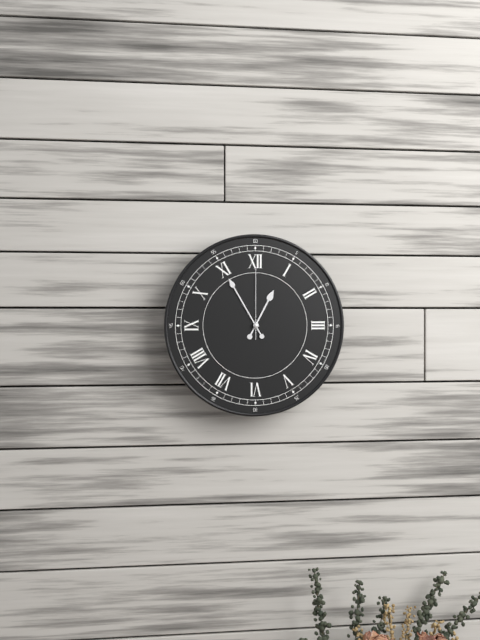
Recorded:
12,55,00
